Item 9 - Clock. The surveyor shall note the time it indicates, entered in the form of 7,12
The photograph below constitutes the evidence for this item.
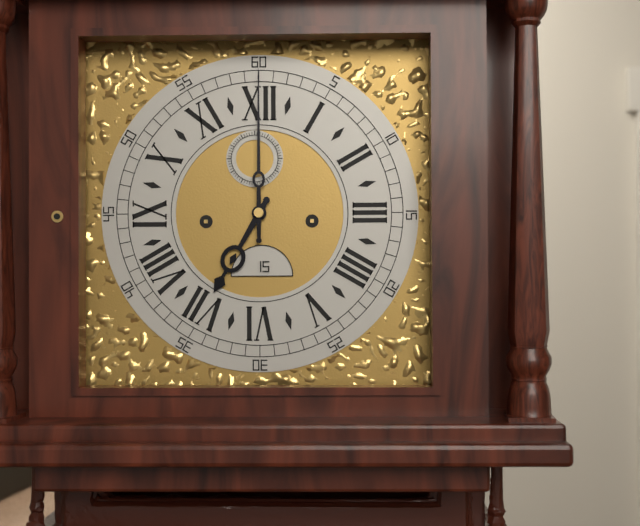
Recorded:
7,00
